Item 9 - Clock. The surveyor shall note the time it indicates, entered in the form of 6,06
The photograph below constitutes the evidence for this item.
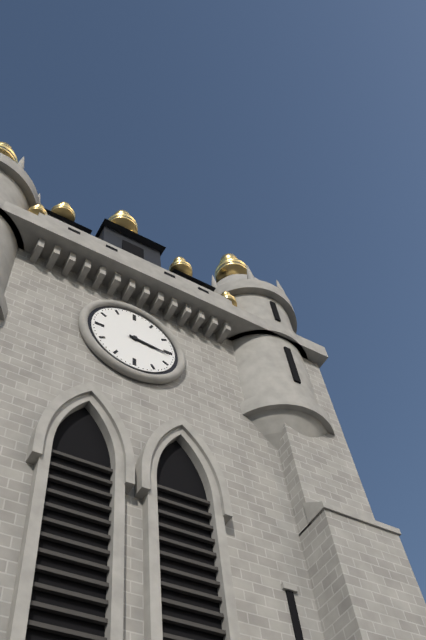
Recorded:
3,16
